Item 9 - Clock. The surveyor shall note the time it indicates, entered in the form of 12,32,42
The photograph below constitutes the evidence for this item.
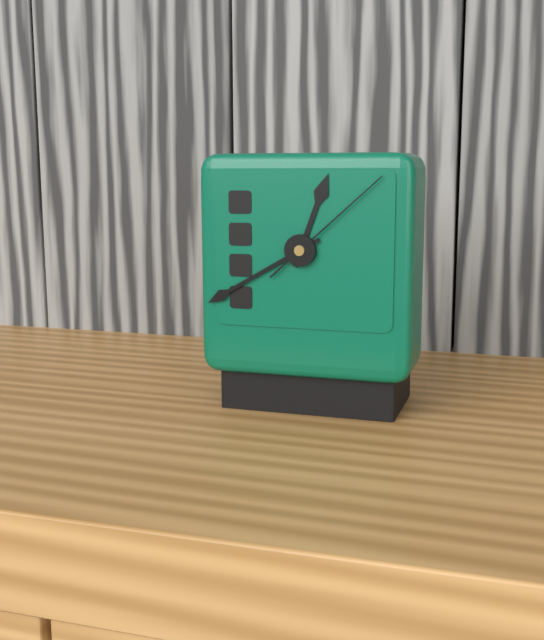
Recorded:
12,40,08
